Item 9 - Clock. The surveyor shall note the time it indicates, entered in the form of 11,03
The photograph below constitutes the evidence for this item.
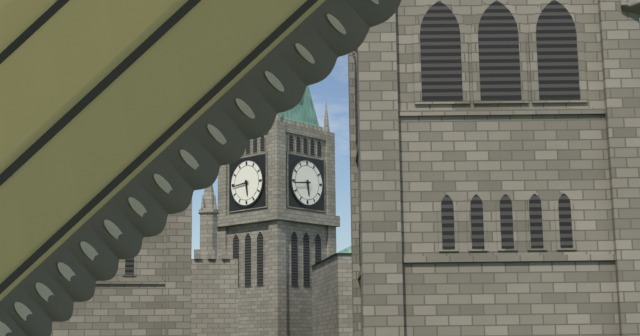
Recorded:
5,44
